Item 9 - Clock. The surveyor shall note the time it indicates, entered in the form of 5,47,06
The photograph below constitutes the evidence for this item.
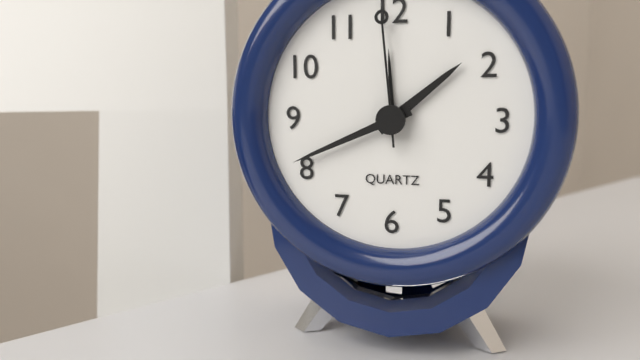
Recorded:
1,41,59
